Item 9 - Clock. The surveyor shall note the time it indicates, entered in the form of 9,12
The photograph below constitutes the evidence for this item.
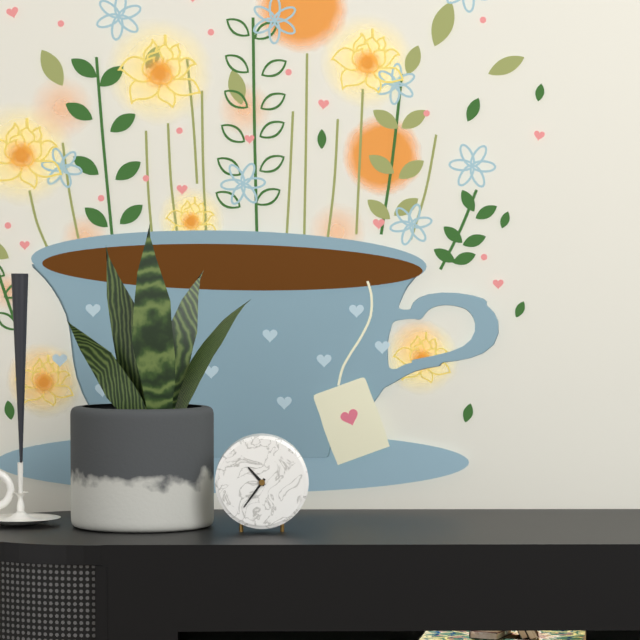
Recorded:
10,36
